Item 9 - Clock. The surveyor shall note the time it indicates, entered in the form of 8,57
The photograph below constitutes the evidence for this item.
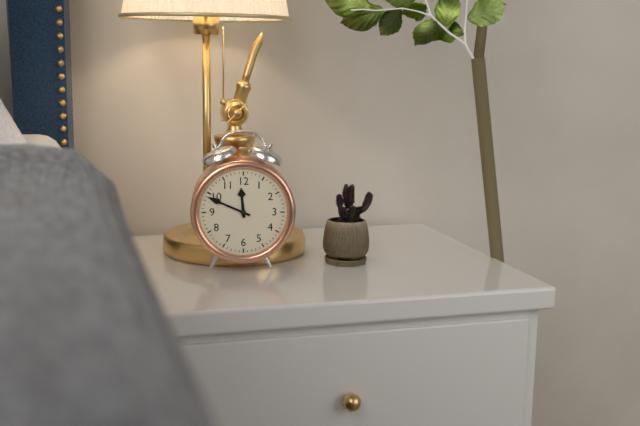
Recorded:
11,49
